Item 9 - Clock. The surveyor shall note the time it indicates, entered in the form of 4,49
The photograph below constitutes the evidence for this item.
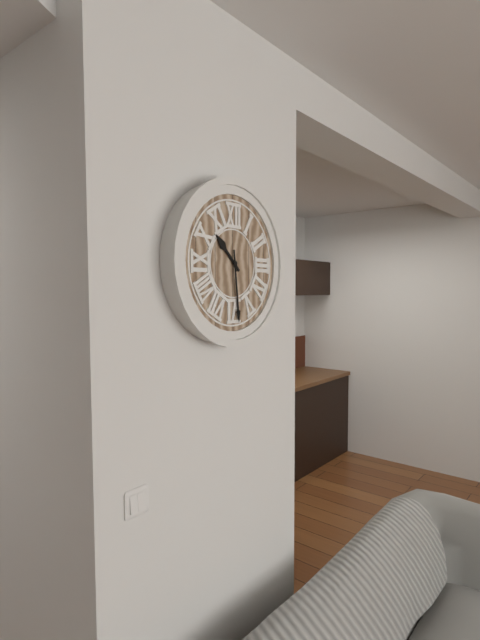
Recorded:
10,29
